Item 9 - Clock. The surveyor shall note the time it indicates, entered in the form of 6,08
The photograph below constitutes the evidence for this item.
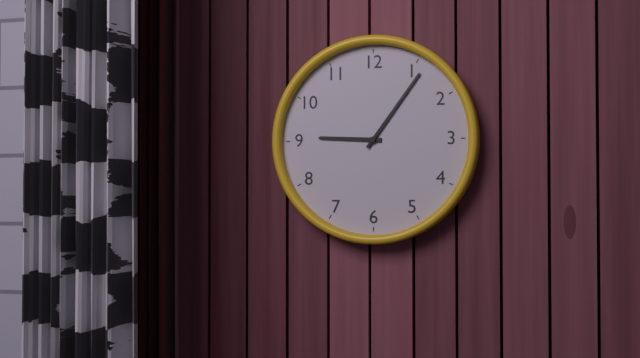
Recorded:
9,06
